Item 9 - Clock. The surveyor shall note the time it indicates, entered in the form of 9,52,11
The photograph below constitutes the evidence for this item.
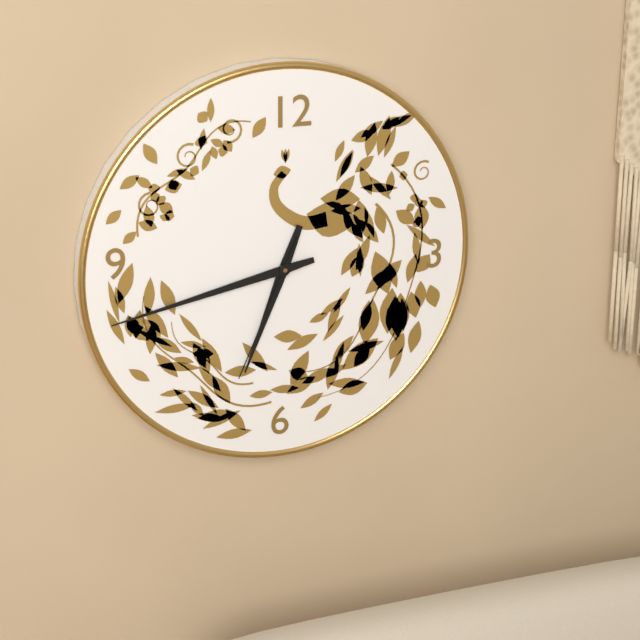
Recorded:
6,43,34
